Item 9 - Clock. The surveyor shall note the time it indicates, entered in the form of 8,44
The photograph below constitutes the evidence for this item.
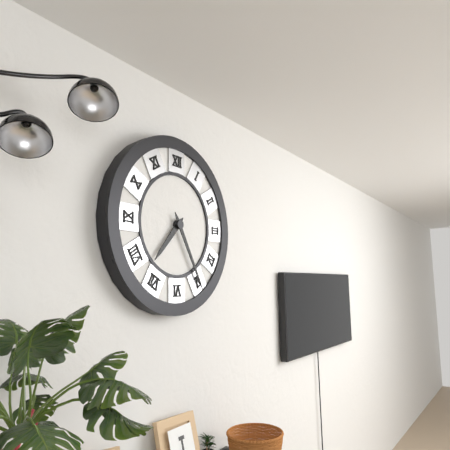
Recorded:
7,25
